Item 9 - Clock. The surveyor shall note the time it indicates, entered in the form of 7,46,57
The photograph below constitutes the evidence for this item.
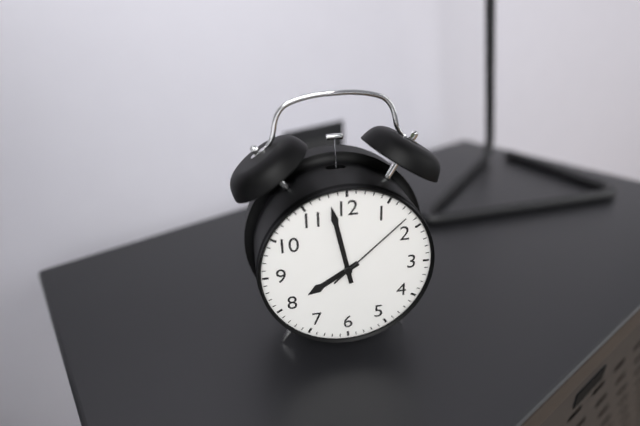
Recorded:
7,58,08
